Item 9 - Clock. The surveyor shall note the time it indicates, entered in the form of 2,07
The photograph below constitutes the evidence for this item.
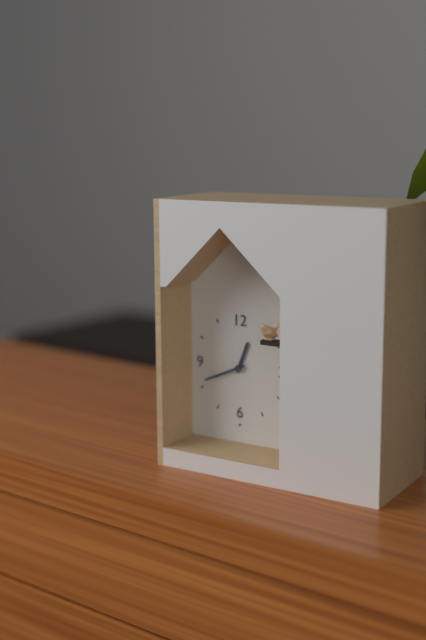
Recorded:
12,41
